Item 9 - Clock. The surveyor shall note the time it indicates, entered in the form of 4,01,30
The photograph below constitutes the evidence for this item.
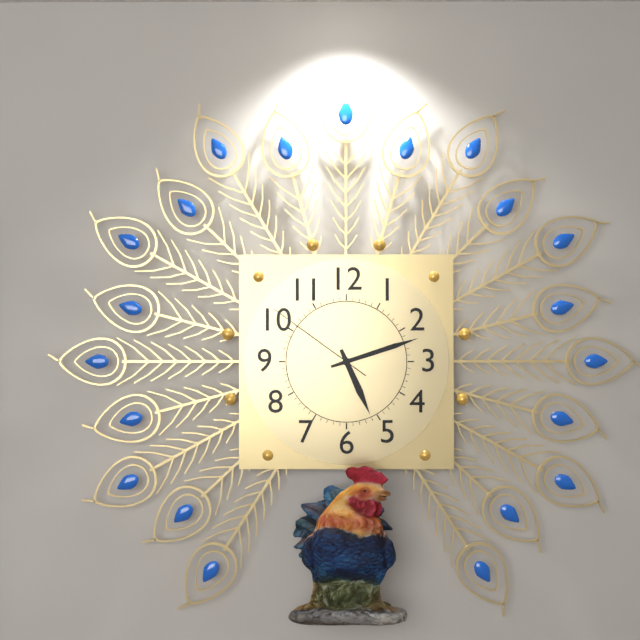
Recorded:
5,12,51
